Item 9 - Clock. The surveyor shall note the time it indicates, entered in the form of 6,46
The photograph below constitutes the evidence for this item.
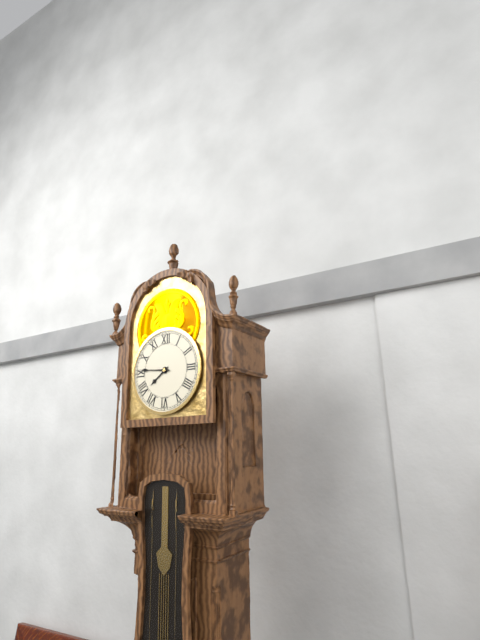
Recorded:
7,46
